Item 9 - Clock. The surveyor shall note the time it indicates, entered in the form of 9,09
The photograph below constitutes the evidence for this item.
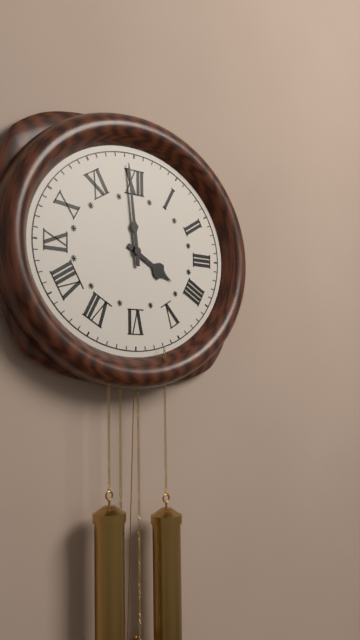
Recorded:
3,59
